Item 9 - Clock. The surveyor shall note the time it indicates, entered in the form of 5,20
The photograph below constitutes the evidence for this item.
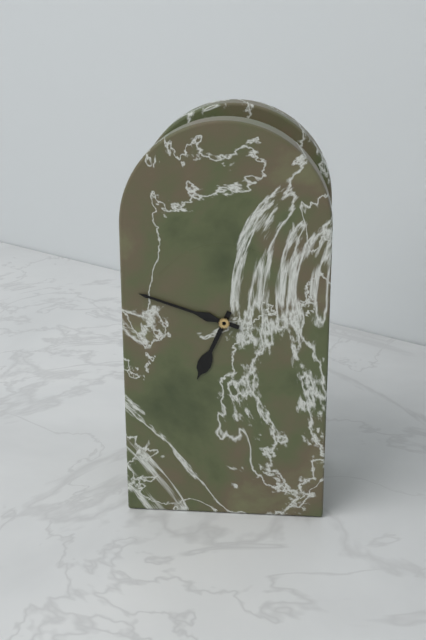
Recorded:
6,48
